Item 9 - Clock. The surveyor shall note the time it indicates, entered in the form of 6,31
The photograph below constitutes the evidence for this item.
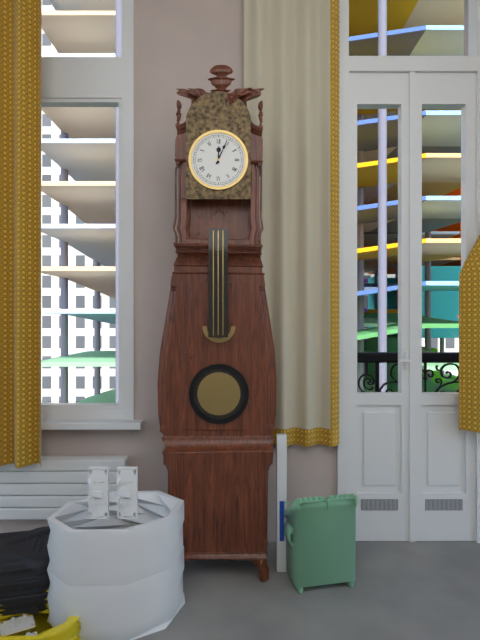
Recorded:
12,04
